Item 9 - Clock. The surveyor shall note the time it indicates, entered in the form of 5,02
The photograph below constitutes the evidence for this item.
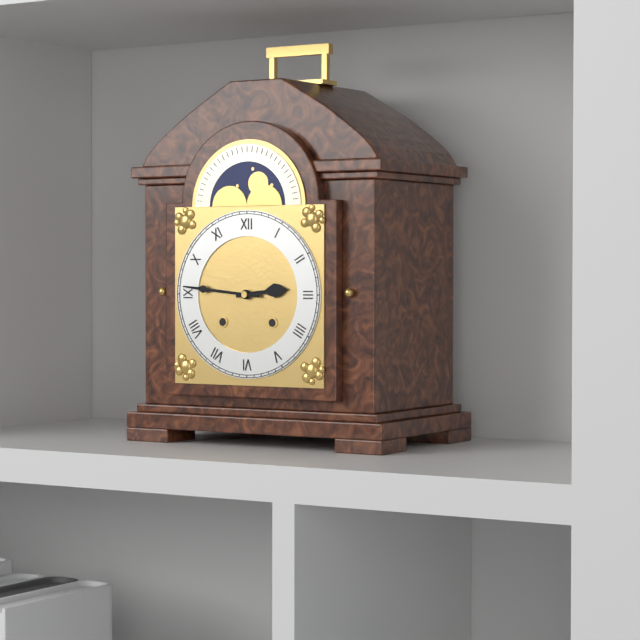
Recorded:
2,46
